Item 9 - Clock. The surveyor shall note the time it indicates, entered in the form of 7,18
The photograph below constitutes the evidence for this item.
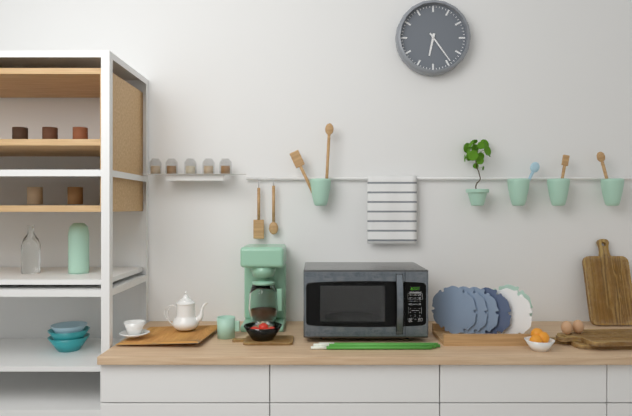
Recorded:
6,24
